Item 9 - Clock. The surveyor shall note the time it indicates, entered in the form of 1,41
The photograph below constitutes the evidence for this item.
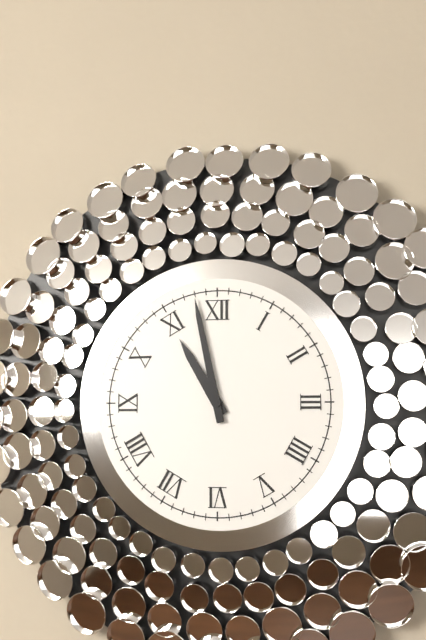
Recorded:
10,58
